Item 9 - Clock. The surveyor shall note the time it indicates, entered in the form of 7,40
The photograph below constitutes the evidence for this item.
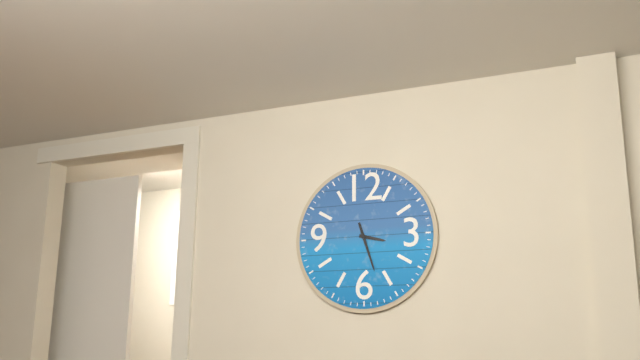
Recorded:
3,27
